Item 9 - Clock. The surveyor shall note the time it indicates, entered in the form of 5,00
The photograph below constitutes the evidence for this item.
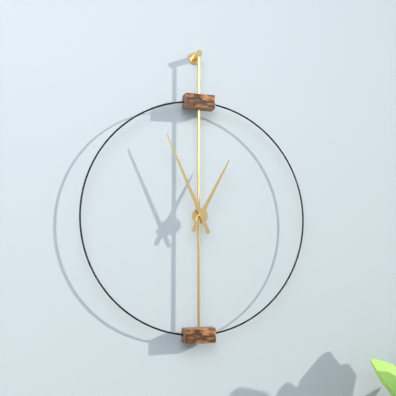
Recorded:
12,56
